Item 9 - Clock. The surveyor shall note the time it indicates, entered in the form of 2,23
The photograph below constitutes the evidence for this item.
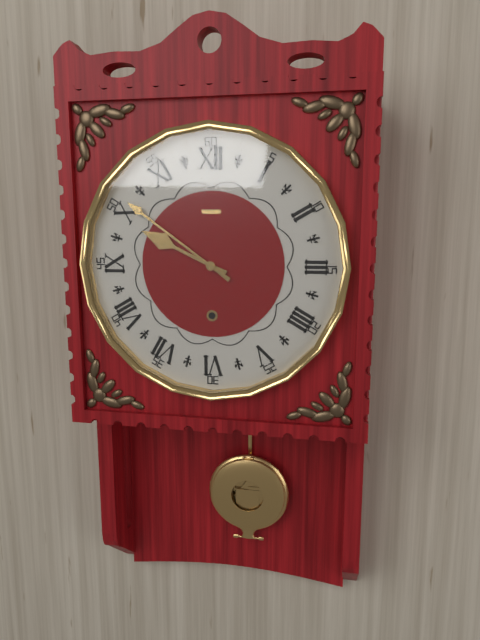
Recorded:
9,51
